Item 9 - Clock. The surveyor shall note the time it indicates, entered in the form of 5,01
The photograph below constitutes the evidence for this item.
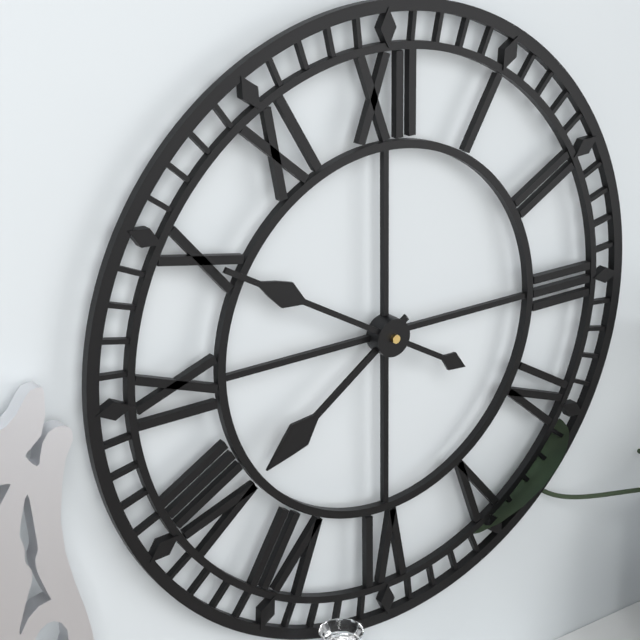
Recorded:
7,50
